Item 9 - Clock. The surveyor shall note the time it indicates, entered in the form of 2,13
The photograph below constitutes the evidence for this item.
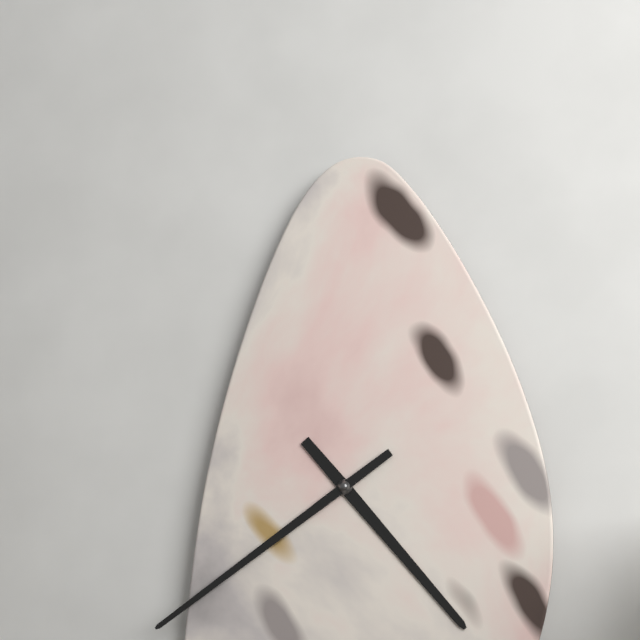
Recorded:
4,39
